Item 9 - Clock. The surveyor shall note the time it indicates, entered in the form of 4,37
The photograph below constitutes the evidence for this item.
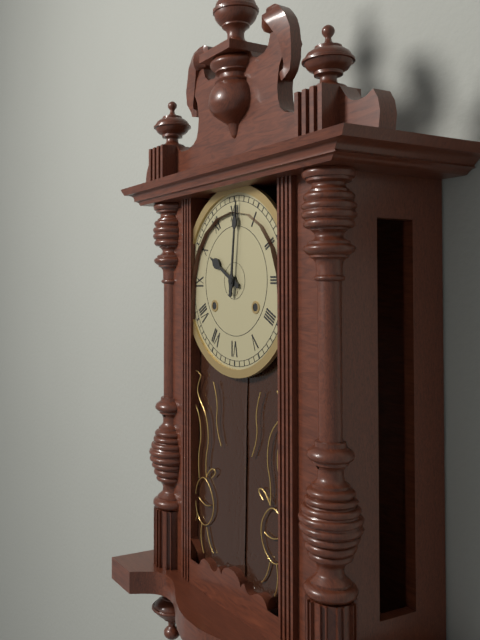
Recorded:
10,01
